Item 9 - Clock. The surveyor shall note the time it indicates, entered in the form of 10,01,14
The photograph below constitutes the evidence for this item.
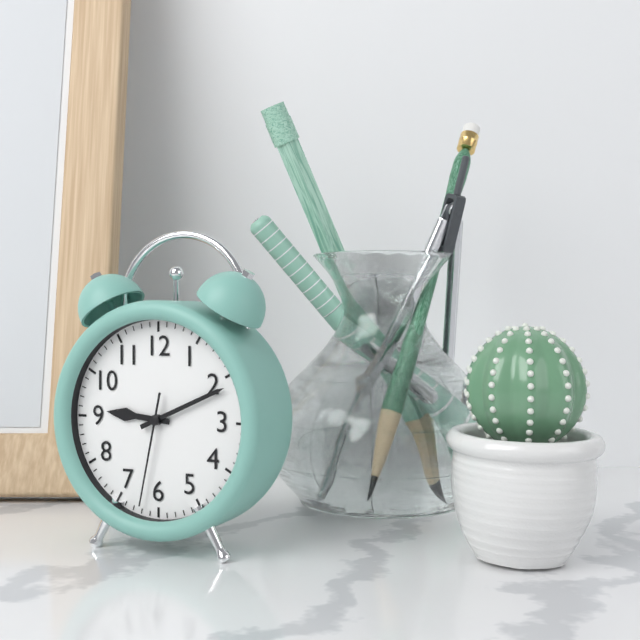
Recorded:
9,11,32
